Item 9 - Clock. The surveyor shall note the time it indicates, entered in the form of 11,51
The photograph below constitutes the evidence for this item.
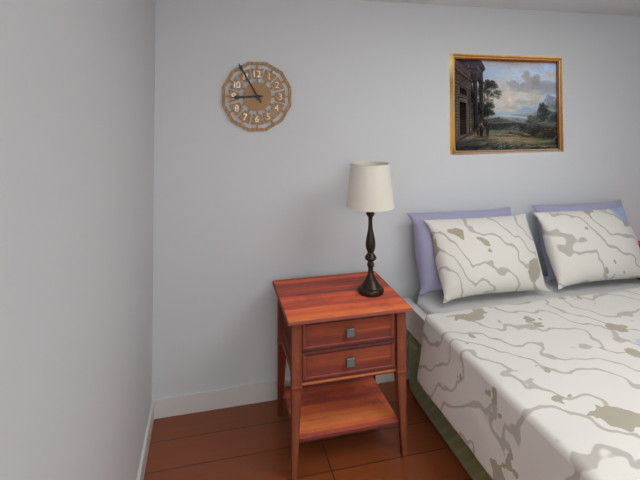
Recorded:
8,55
